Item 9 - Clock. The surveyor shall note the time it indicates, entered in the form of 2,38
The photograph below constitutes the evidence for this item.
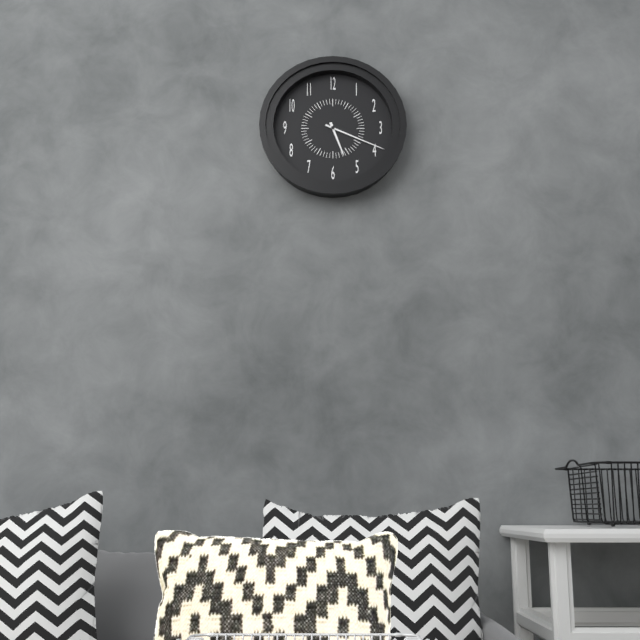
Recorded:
5,19
